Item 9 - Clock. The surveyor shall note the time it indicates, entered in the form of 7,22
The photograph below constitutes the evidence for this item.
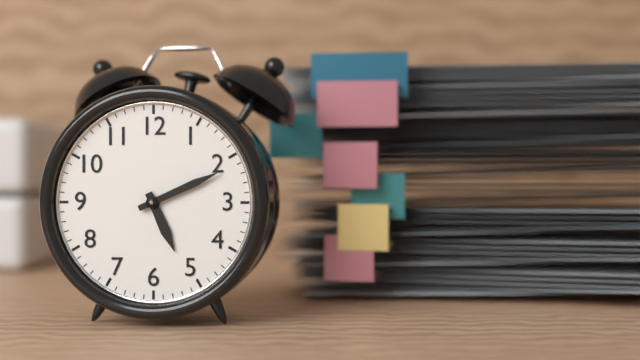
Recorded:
5,11
